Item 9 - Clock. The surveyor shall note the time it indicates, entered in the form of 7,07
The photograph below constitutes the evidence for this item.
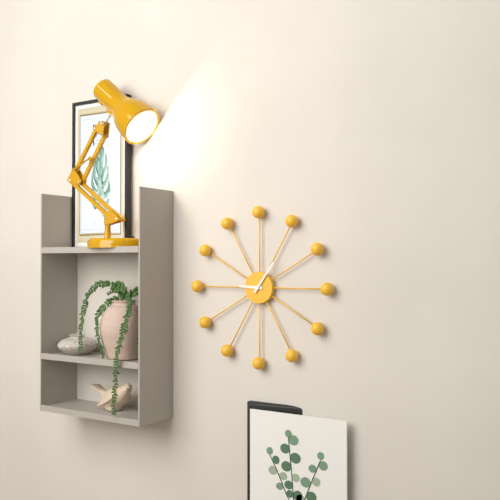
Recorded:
9,06
